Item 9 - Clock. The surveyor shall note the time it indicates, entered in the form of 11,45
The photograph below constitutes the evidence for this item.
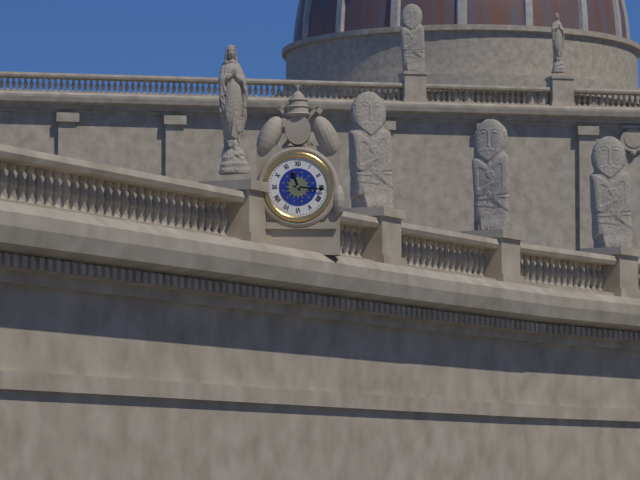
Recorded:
11,16
